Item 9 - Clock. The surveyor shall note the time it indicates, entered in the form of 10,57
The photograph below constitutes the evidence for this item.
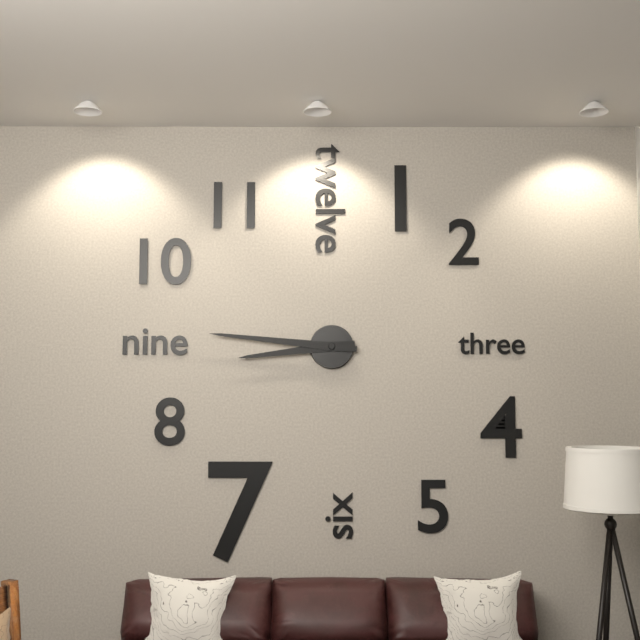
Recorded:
8,46
